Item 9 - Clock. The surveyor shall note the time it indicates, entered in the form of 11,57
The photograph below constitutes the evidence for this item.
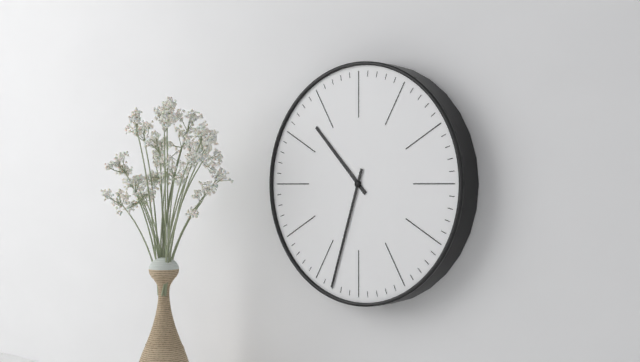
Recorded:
10,33
